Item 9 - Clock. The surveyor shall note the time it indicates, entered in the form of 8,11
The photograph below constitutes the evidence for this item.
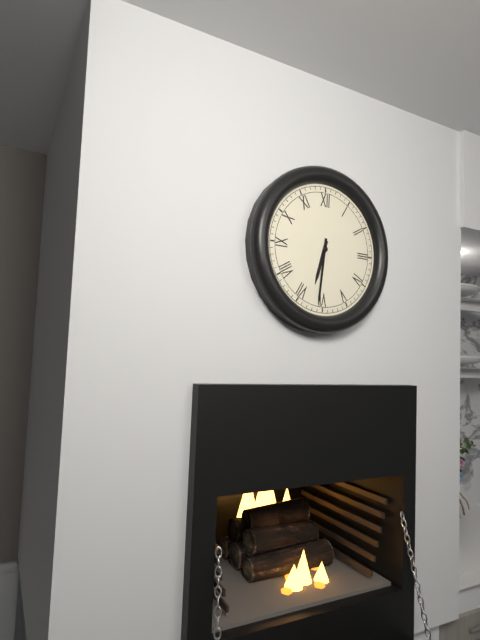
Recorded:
6,31
